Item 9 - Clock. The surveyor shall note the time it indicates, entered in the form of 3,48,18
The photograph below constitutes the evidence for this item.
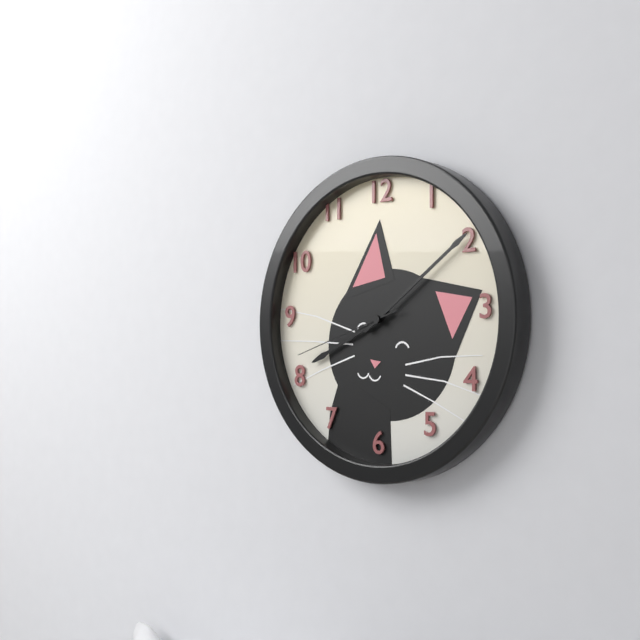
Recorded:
8,09,42
